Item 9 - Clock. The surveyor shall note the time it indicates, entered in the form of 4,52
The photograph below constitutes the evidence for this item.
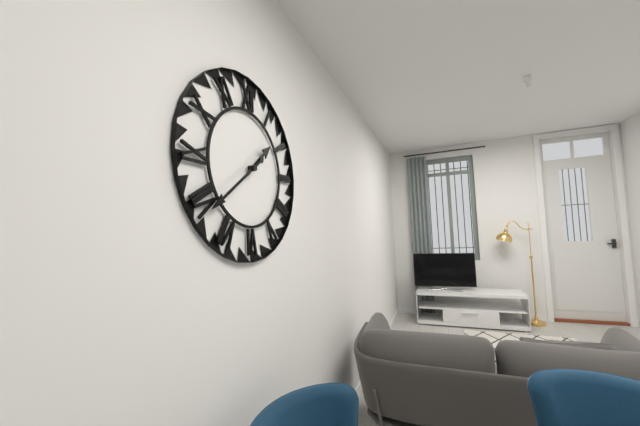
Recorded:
1,39
